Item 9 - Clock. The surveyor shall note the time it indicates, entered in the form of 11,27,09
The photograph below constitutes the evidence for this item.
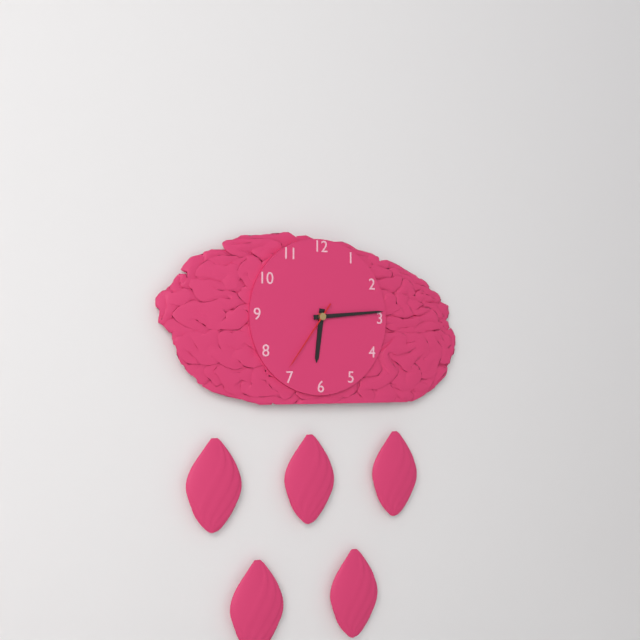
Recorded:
6,14,36
